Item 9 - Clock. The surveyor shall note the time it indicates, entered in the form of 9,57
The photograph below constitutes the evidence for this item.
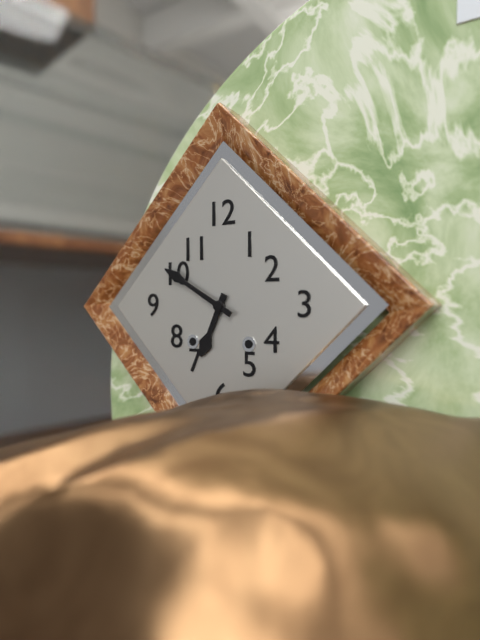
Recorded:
6,50
